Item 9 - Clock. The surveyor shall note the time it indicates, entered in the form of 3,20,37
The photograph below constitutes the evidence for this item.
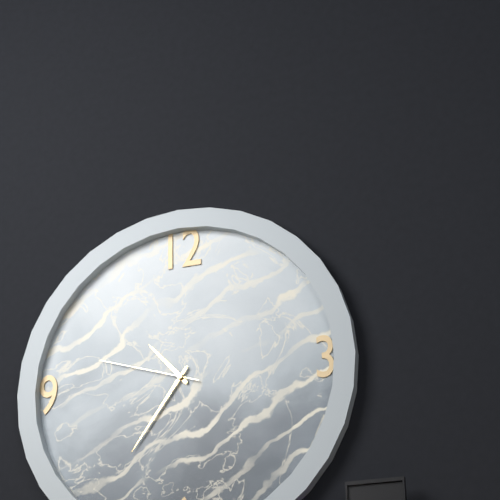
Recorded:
10,36,48
